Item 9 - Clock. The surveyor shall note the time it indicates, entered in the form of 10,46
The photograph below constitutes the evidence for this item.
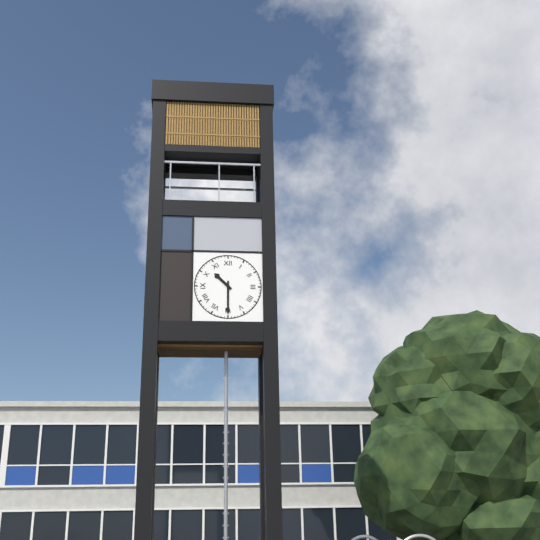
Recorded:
10,30
